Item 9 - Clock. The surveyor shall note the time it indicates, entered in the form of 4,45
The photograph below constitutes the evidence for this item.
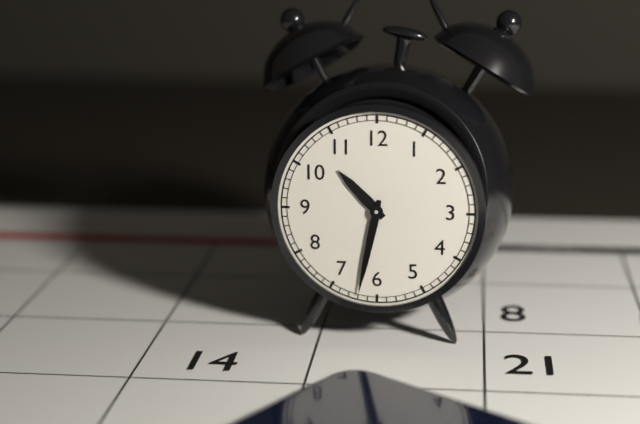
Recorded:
10,32
